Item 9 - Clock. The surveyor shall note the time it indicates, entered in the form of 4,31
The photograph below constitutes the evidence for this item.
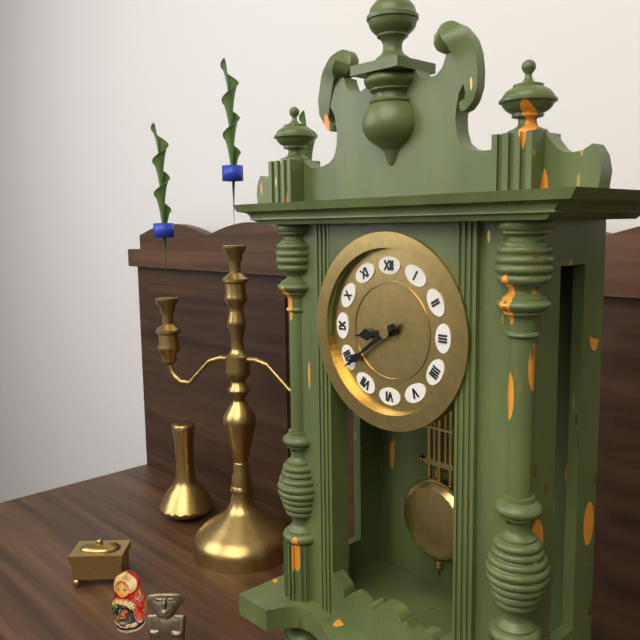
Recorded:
8,39
